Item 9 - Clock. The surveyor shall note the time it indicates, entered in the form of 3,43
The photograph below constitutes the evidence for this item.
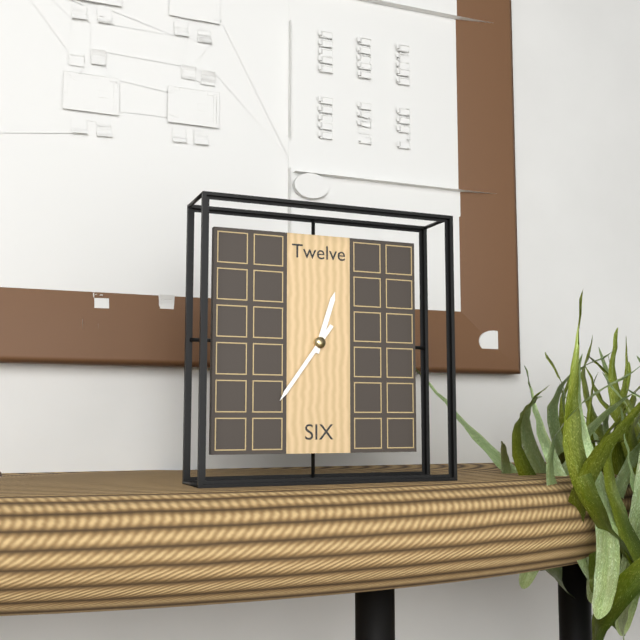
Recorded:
12,36
